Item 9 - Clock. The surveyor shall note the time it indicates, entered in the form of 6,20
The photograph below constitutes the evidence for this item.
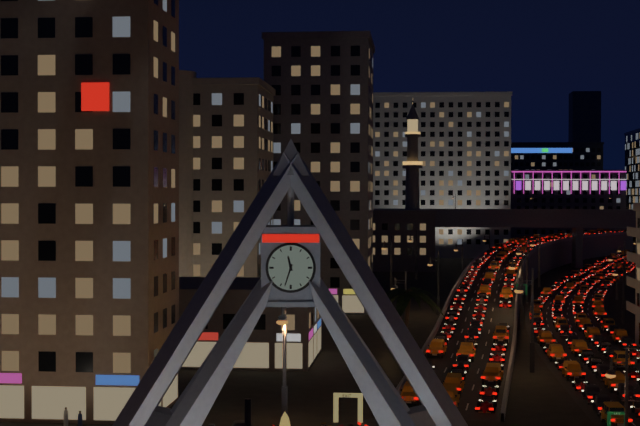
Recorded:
11,33
